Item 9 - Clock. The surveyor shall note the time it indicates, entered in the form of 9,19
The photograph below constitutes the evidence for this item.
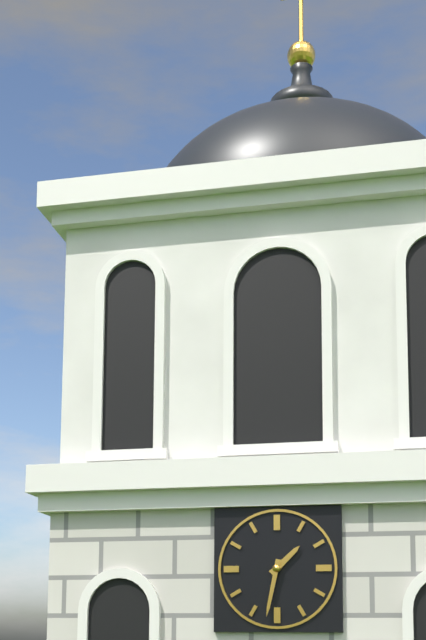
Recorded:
1,32
